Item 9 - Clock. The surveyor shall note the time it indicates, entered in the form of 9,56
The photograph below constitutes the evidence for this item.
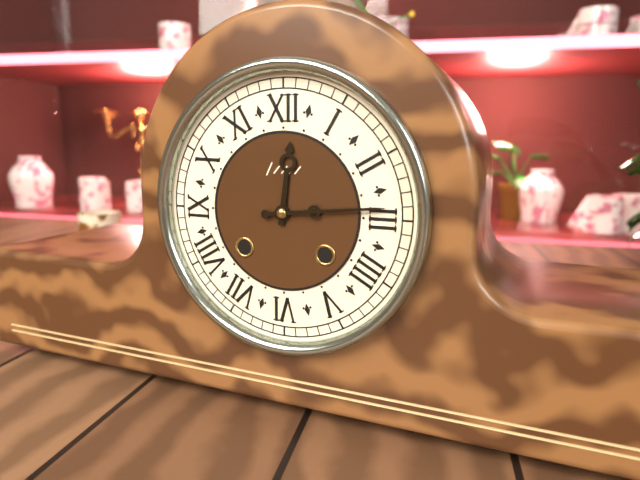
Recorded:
12,14
